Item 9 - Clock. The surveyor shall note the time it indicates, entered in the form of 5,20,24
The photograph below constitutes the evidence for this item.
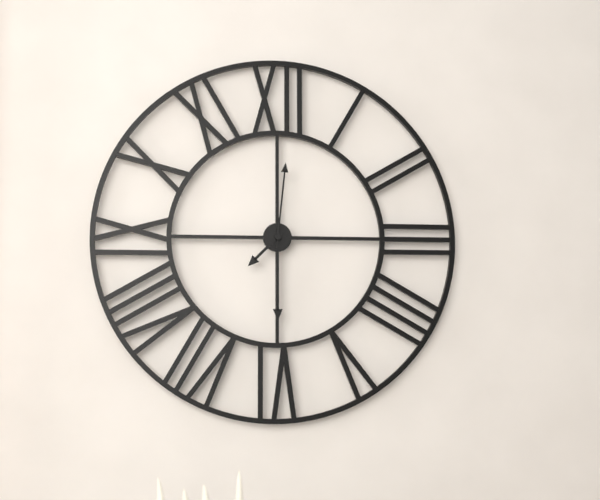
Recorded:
7,30,01
